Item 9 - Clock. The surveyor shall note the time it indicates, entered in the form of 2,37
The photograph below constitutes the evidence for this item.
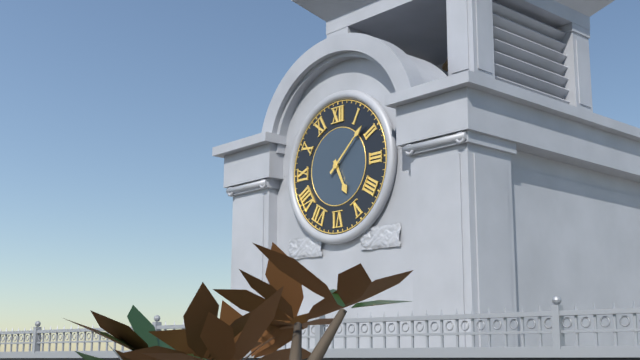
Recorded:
5,08
